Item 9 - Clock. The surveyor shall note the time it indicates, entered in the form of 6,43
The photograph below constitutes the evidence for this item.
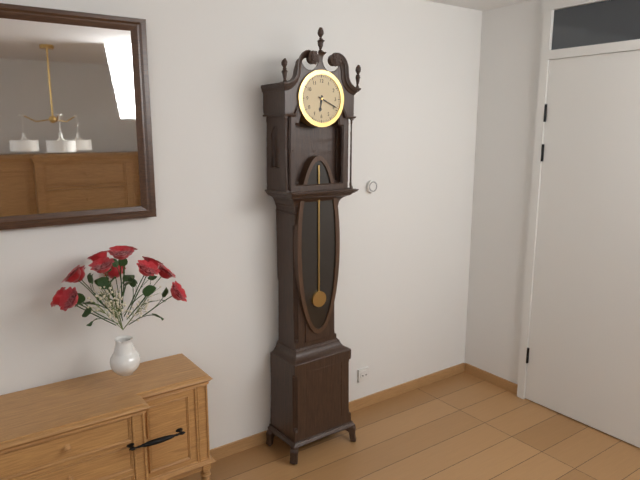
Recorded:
6,19
